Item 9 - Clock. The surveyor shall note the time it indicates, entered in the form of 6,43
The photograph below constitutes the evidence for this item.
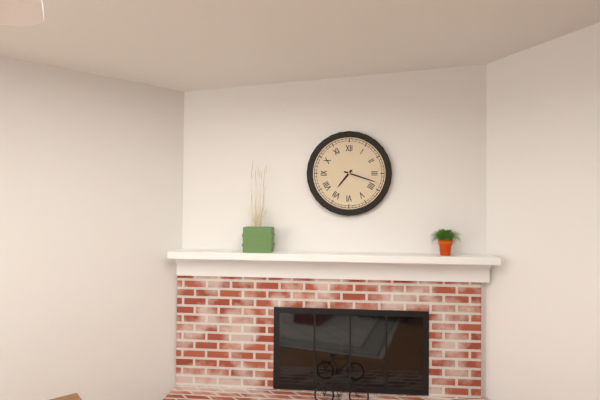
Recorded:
7,18
